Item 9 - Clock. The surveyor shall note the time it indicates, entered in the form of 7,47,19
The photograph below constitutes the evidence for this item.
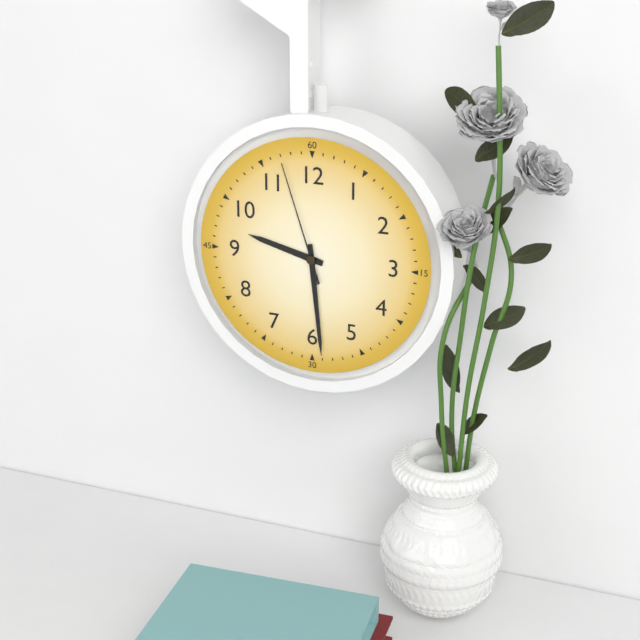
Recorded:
9,29,57
